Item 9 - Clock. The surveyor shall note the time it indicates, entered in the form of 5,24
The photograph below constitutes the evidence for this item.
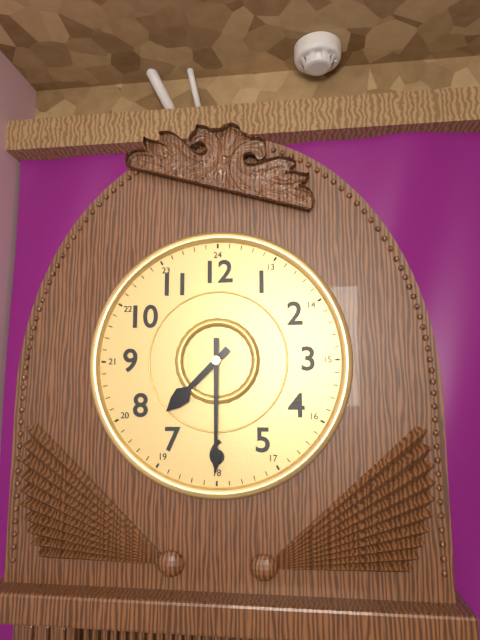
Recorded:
7,30
